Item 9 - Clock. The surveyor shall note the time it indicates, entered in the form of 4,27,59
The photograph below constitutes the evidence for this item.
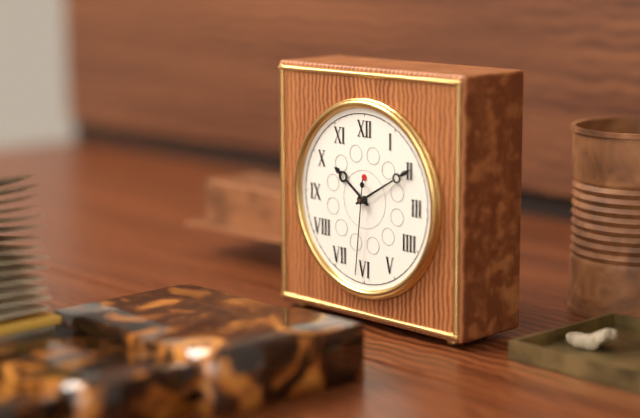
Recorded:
10,10,31
